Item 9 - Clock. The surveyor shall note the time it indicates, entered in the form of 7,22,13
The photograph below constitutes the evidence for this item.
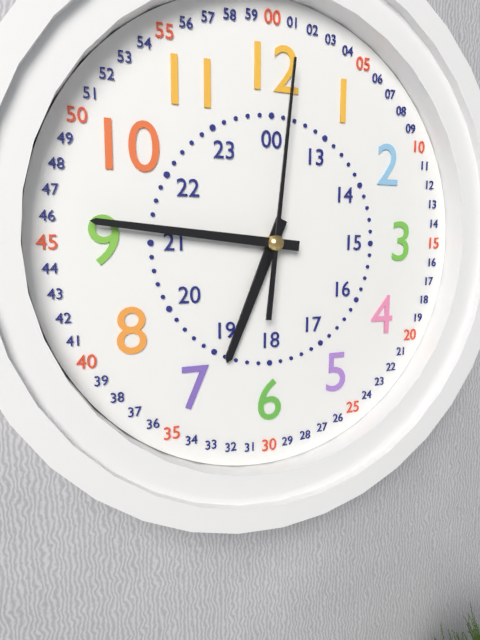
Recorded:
6,46,01
